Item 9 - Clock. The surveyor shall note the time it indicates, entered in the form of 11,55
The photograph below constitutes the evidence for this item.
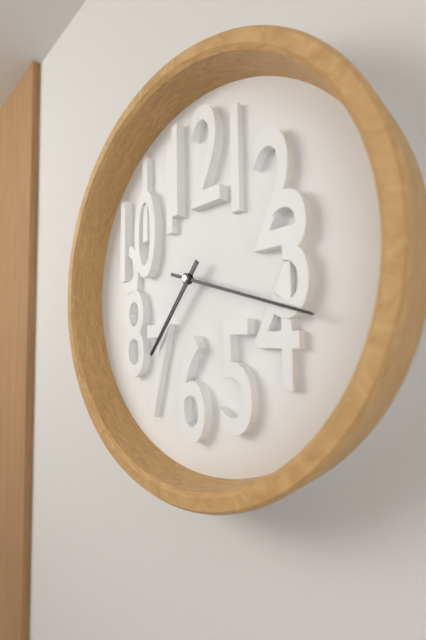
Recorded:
7,18
